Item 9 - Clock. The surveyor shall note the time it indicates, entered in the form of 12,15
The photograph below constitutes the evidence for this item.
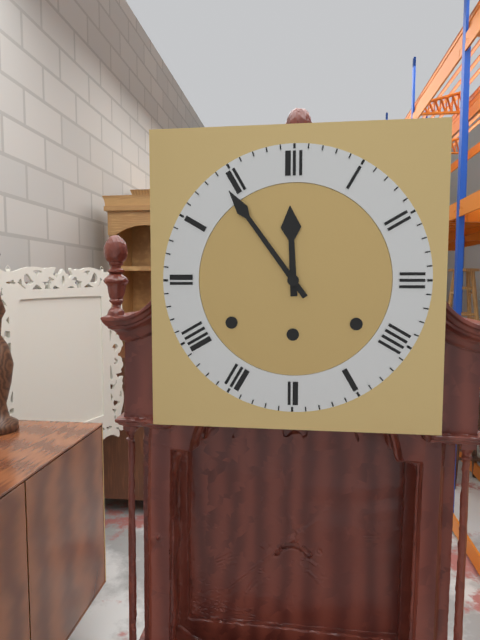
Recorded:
11,54
